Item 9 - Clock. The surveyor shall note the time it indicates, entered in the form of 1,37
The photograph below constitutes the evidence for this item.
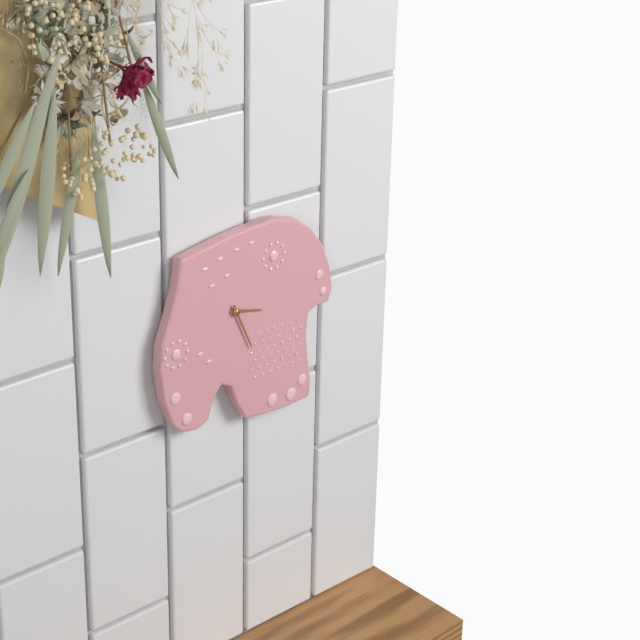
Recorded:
3,26
